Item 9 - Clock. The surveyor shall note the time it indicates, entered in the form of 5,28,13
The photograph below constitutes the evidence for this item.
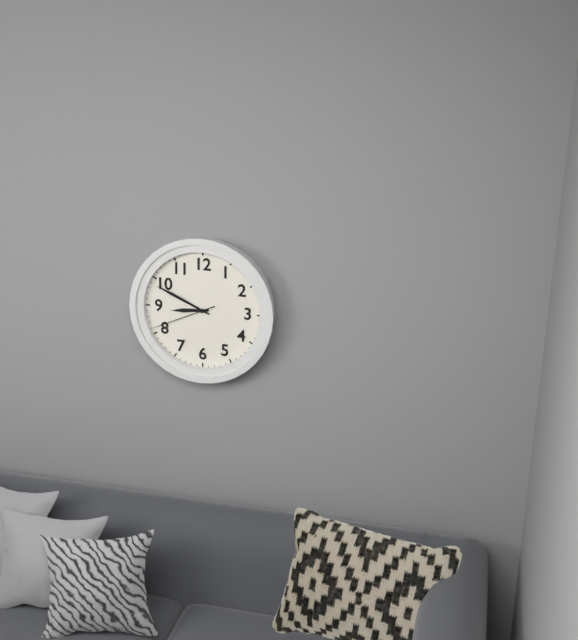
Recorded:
8,49,41
